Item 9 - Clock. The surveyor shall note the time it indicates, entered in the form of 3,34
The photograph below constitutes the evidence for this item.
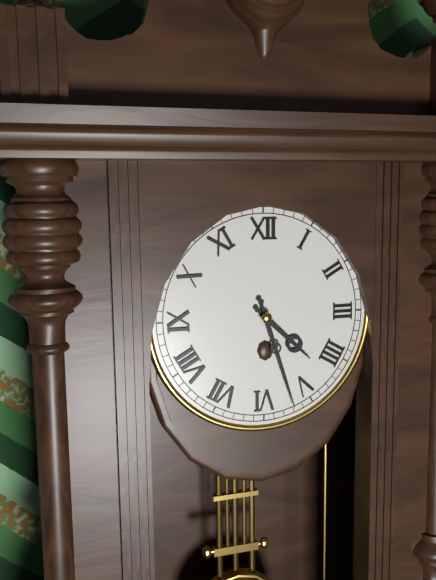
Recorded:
4,27
